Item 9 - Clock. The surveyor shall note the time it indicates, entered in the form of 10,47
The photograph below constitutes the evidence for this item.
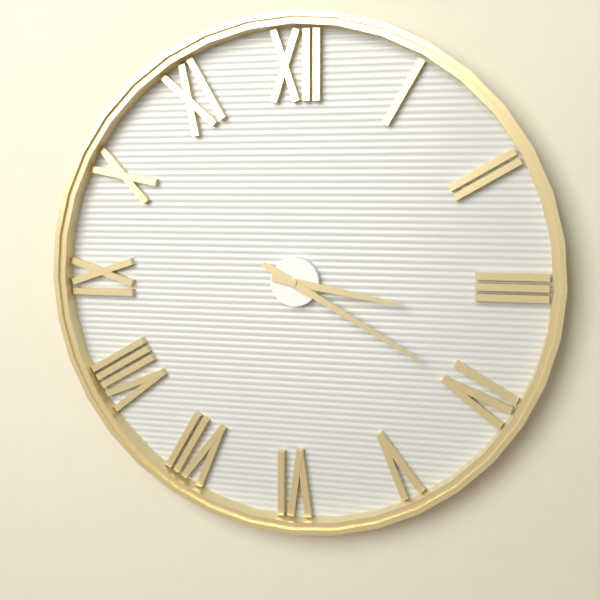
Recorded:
3,20
